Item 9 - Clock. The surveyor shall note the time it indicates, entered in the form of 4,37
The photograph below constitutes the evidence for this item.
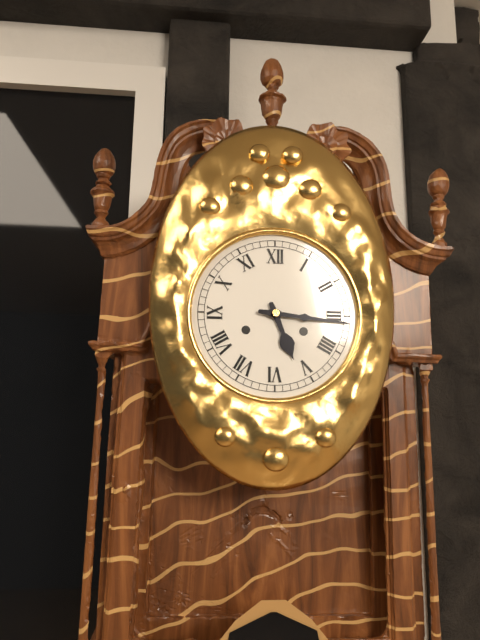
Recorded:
5,16
